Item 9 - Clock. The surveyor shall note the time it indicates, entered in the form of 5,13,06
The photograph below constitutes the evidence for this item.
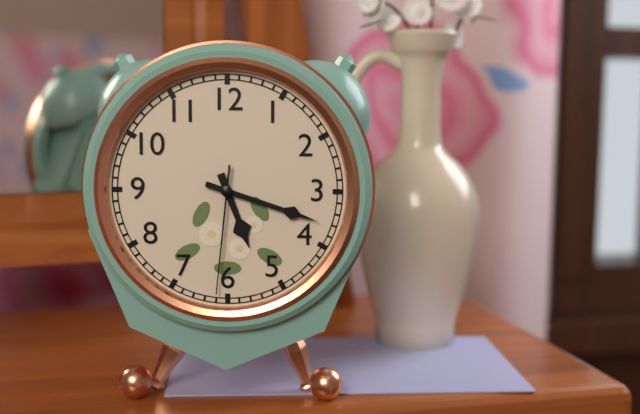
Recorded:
5,18,31
